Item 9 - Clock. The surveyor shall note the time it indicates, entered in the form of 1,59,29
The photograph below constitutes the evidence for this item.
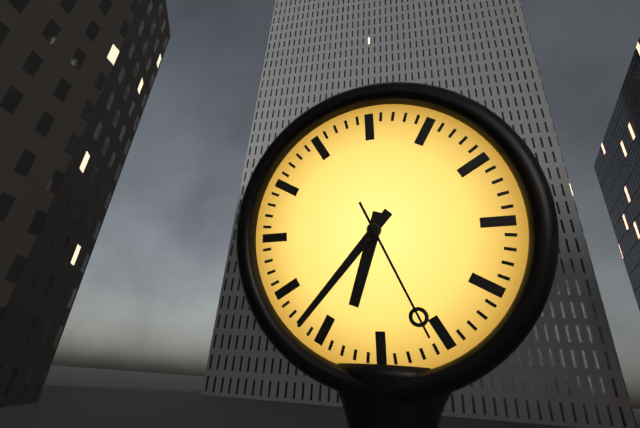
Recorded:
6,37,26
